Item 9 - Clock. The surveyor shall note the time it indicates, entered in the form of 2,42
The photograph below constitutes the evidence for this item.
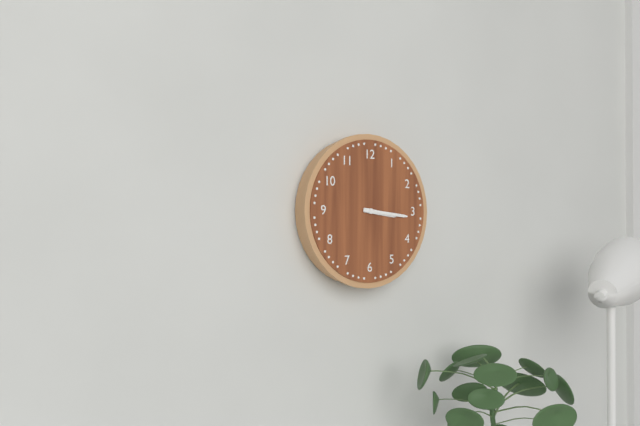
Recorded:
3,16
